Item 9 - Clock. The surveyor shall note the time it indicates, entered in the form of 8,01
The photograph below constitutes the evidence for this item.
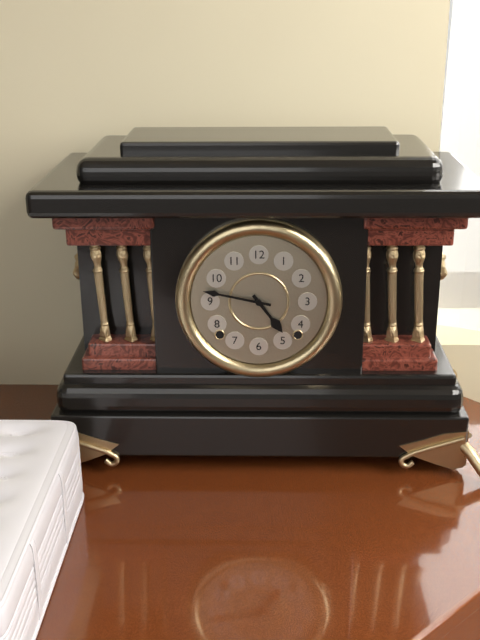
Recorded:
4,47
